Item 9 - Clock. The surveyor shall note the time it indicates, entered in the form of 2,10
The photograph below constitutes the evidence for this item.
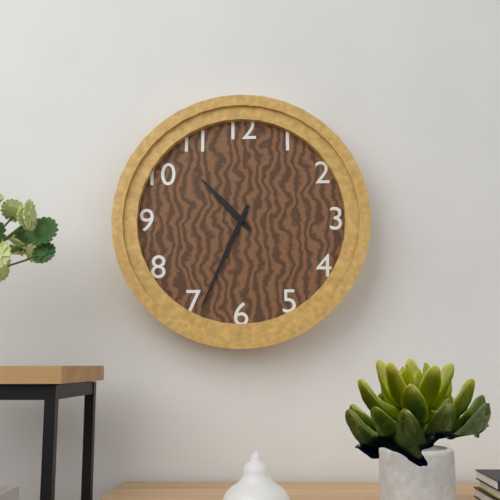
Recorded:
10,34
